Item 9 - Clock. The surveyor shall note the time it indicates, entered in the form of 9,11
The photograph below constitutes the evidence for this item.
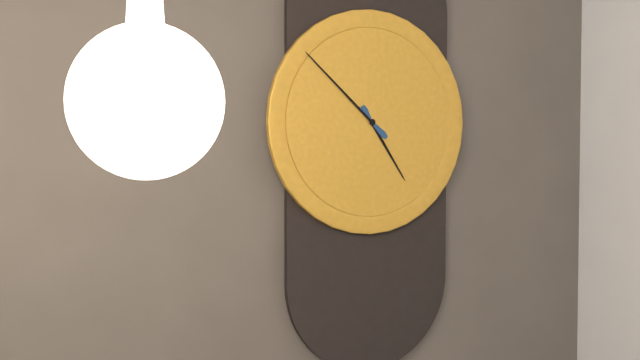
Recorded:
4,52
